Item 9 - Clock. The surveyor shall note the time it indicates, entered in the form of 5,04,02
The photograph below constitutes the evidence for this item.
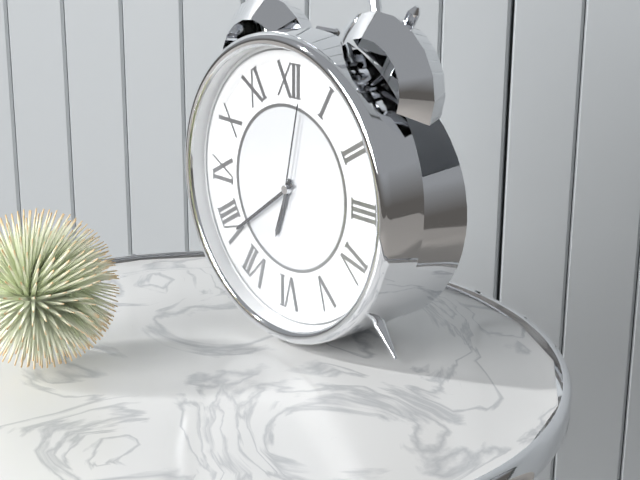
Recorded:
6,39,02
